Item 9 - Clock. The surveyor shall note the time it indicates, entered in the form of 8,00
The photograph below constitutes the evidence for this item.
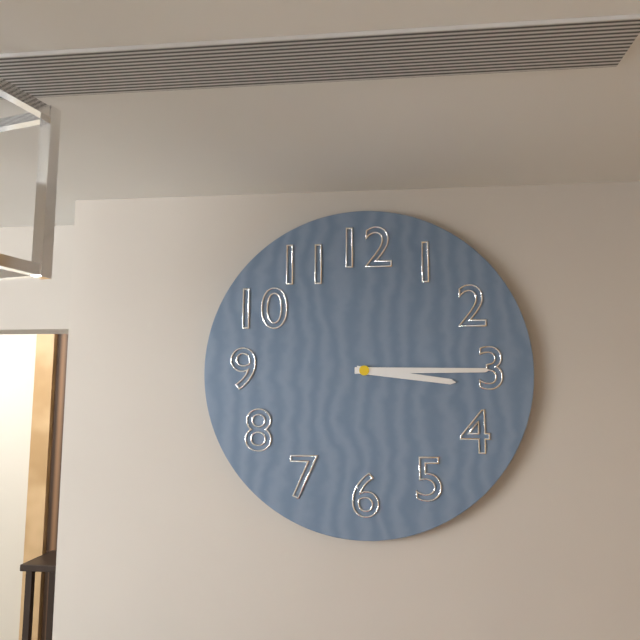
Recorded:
3,15
